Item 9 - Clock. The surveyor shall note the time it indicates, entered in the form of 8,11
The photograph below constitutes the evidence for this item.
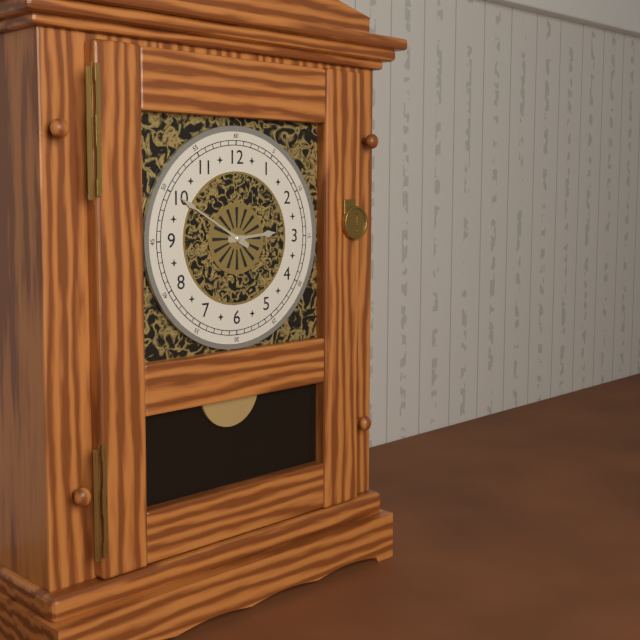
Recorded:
2,50
